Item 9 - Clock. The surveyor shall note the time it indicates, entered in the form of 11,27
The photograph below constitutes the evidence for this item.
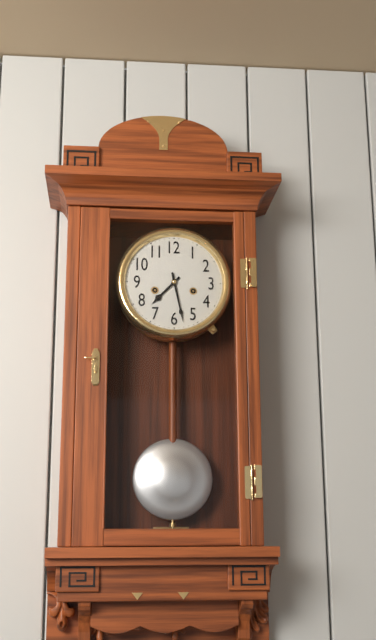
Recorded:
7,28
